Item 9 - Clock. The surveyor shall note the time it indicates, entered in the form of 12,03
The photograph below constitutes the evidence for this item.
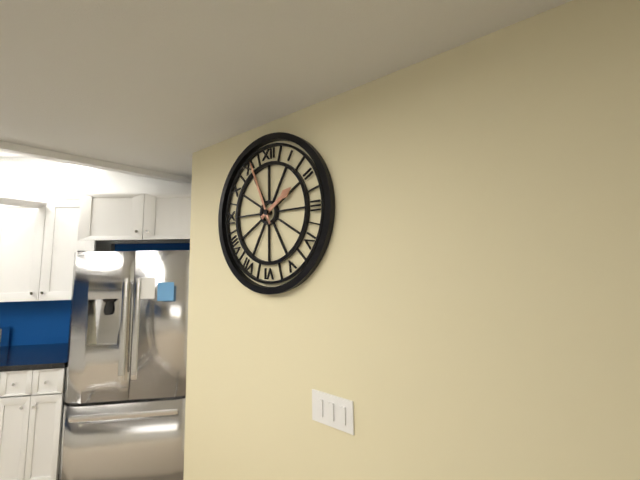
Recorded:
1,56
